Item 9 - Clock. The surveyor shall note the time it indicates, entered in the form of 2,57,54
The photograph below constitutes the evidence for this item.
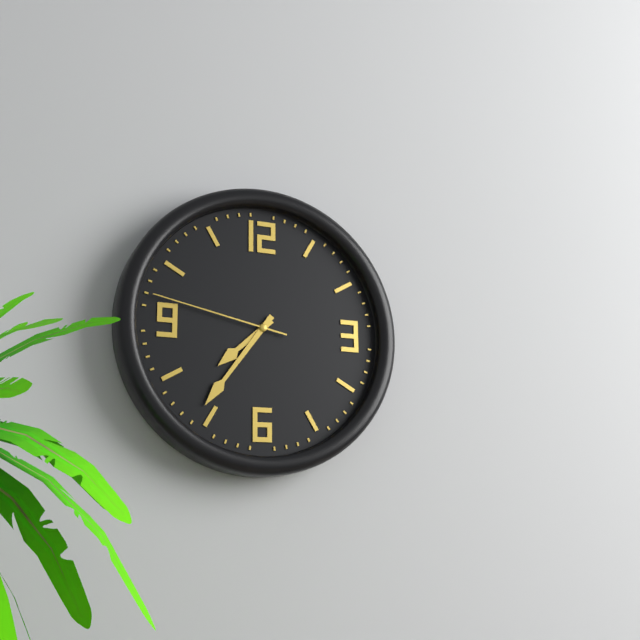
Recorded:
7,36,47
